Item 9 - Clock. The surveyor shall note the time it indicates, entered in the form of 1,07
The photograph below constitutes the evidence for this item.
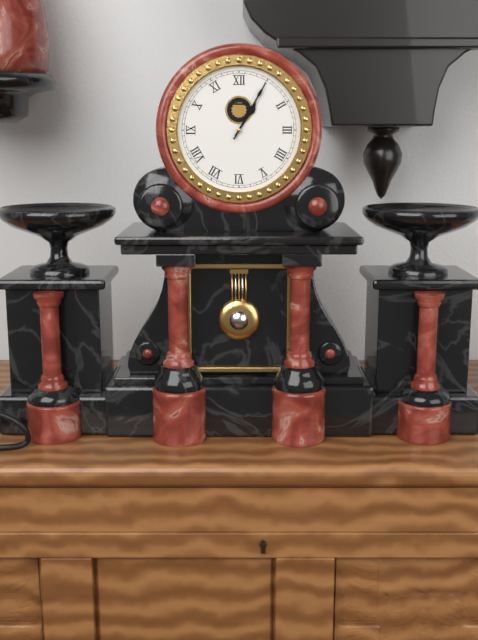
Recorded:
1,05
